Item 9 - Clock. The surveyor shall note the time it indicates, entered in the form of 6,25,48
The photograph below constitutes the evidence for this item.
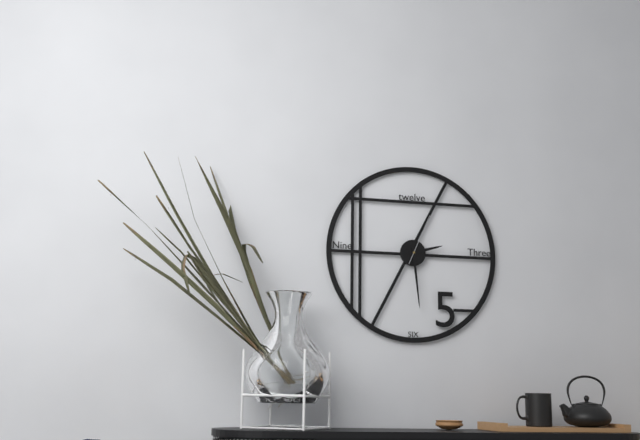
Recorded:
2,29,04
